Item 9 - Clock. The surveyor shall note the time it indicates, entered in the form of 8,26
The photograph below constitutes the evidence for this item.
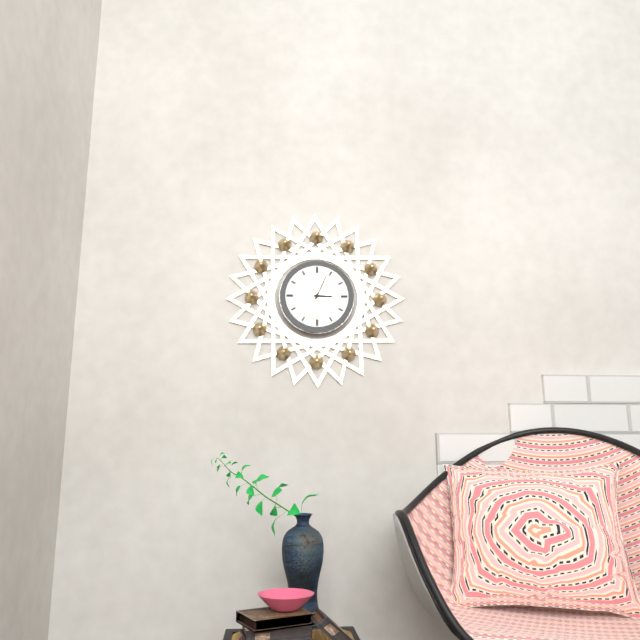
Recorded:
3,04
